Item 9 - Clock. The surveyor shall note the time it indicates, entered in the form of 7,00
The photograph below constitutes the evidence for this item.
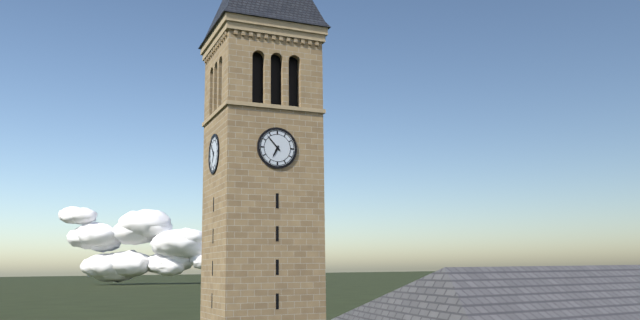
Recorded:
6,53
